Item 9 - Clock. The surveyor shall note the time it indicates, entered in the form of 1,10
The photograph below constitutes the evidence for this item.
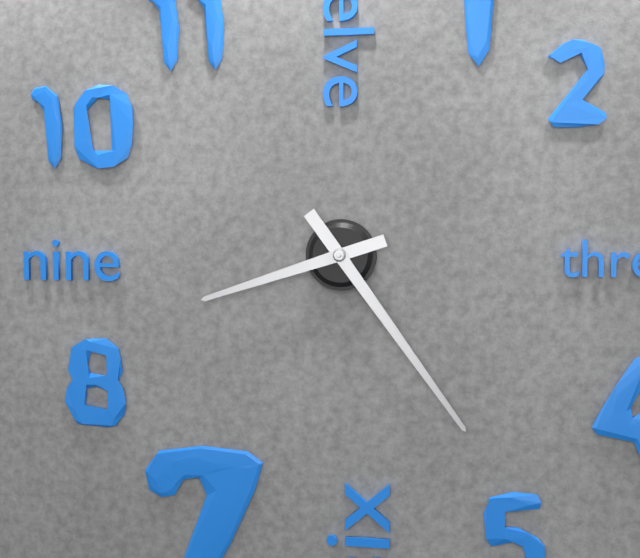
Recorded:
8,24
